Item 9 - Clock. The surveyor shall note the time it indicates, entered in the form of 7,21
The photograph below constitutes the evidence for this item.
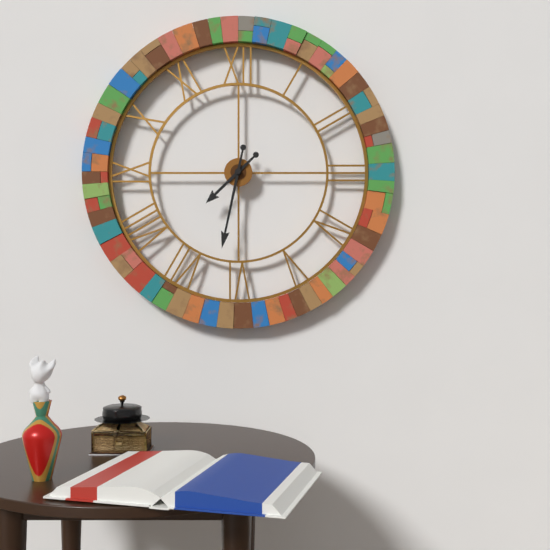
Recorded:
7,32
